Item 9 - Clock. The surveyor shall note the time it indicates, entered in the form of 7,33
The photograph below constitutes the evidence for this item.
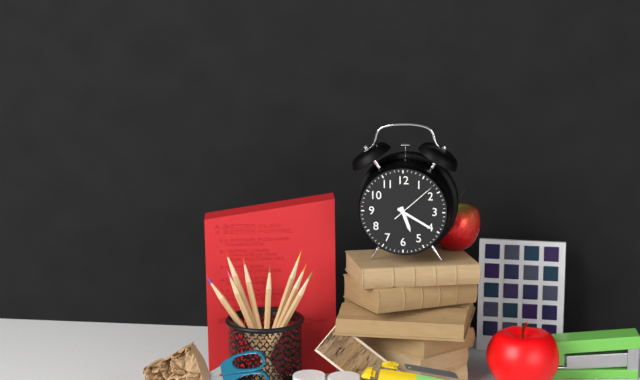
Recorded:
5,20
